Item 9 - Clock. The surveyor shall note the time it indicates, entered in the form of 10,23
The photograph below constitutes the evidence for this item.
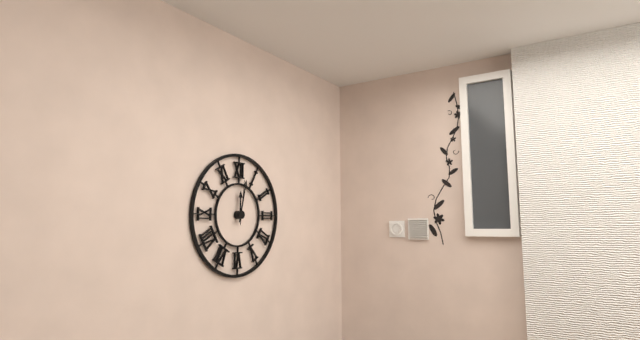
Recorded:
12,02
